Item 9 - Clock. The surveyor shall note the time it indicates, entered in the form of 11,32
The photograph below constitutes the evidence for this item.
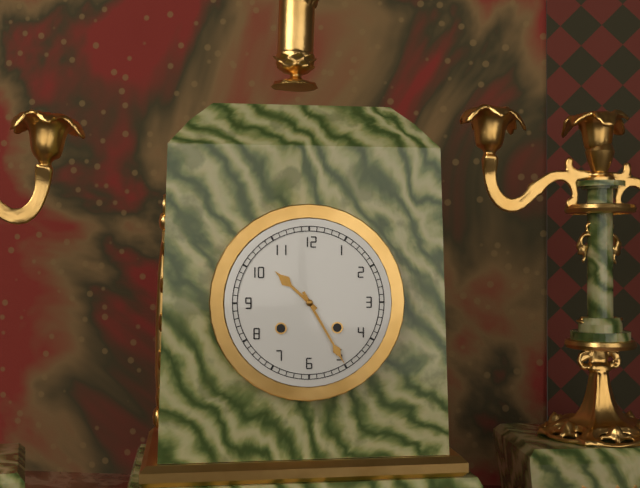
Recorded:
10,25
